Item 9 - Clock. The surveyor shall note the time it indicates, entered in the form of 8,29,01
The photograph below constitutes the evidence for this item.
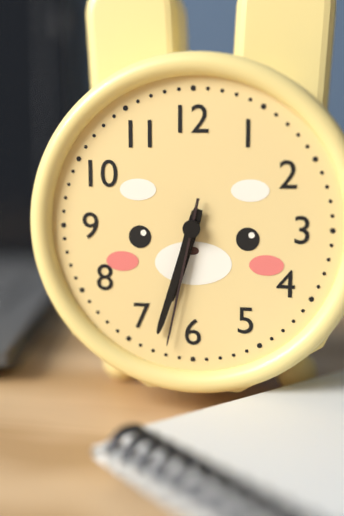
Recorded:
6,33,32
